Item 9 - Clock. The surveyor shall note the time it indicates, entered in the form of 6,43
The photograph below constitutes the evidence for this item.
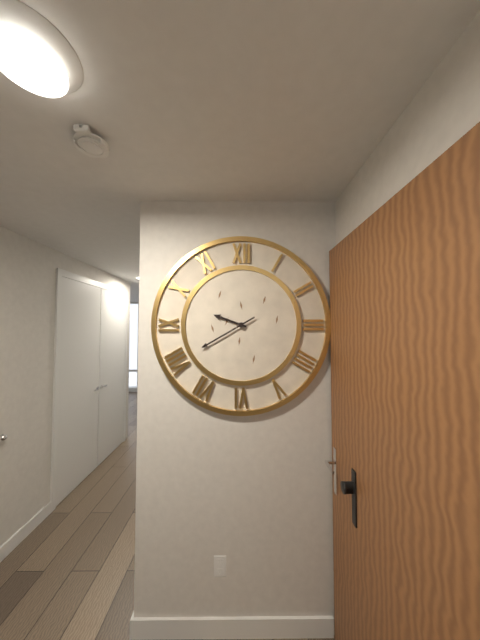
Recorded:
9,40
